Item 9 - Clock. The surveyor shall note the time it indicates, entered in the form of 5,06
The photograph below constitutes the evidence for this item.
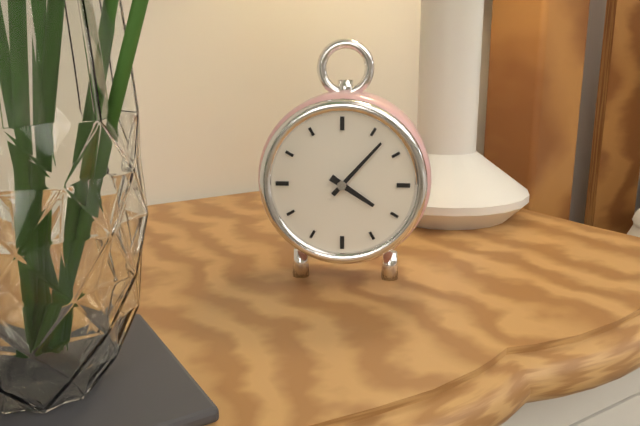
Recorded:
4,07
